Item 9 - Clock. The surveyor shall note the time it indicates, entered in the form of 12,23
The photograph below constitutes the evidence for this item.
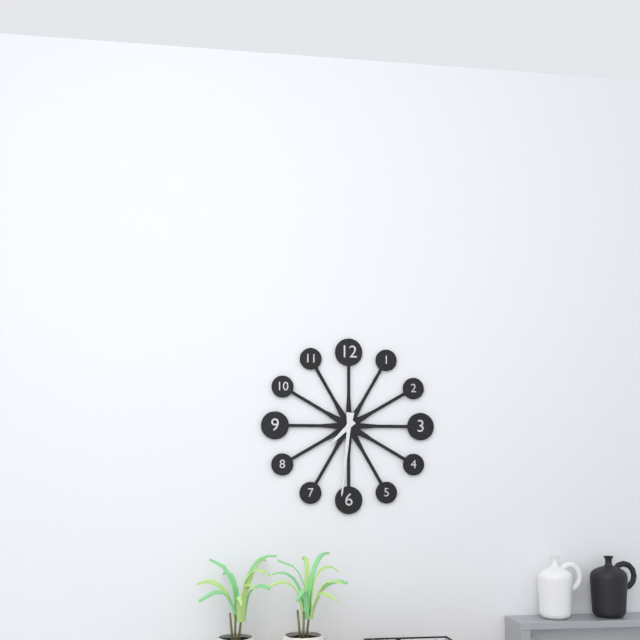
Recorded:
7,31
